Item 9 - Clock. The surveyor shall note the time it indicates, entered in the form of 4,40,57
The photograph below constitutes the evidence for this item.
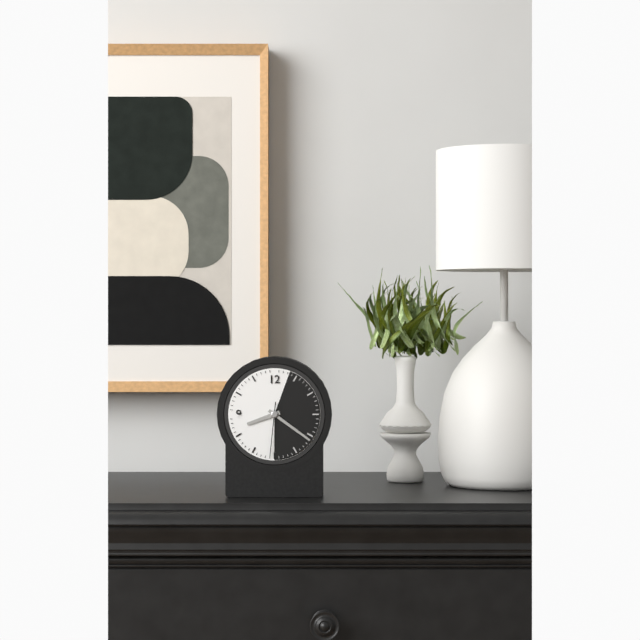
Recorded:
8,21,31
